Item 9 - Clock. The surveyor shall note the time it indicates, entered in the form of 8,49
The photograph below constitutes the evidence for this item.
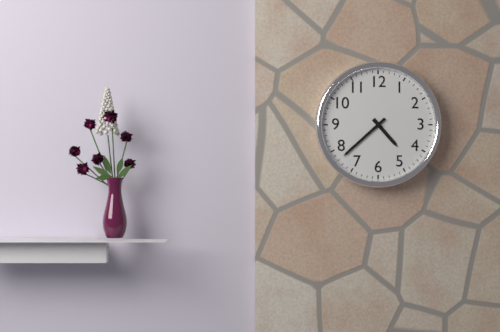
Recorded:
4,38
